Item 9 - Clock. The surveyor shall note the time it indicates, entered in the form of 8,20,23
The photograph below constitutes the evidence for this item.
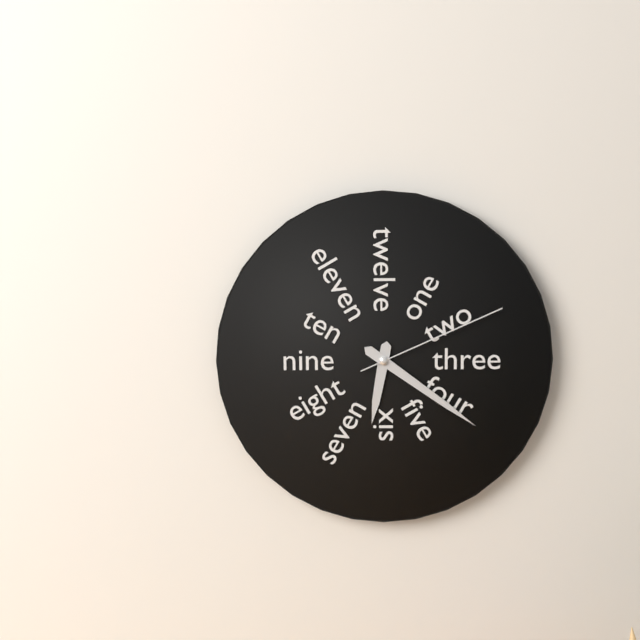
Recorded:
6,21,11
